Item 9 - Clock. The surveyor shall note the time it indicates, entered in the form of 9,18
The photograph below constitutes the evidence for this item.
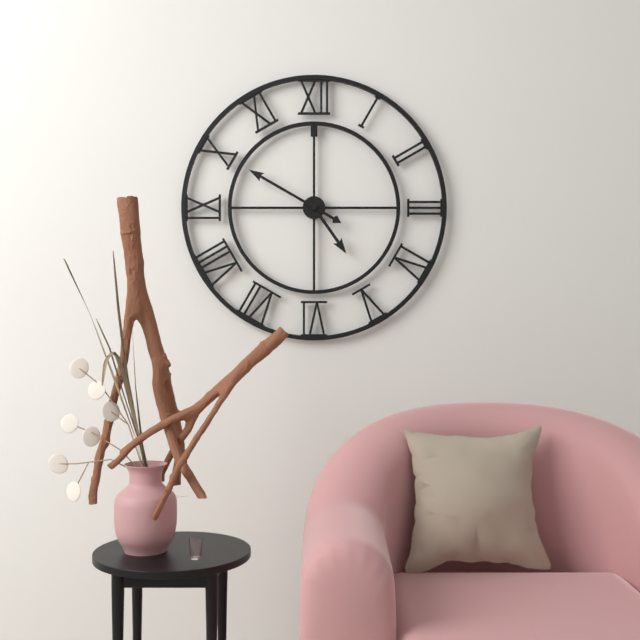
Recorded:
4,50
